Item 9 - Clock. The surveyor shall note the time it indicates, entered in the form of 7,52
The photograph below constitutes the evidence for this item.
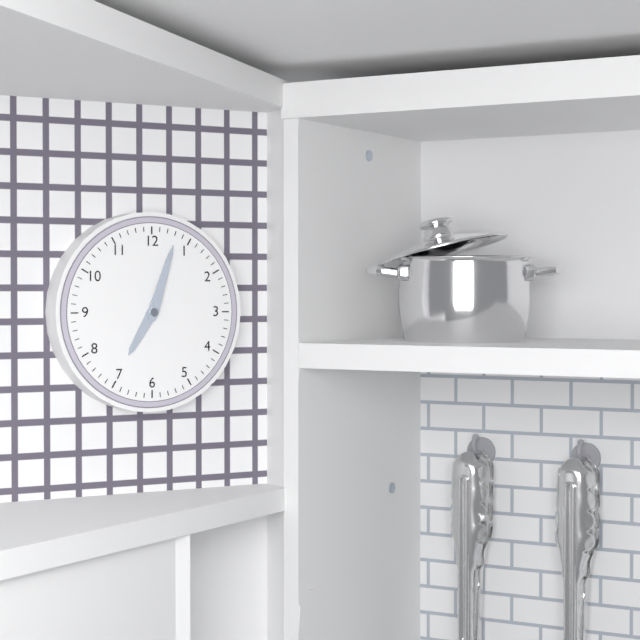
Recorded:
7,03
